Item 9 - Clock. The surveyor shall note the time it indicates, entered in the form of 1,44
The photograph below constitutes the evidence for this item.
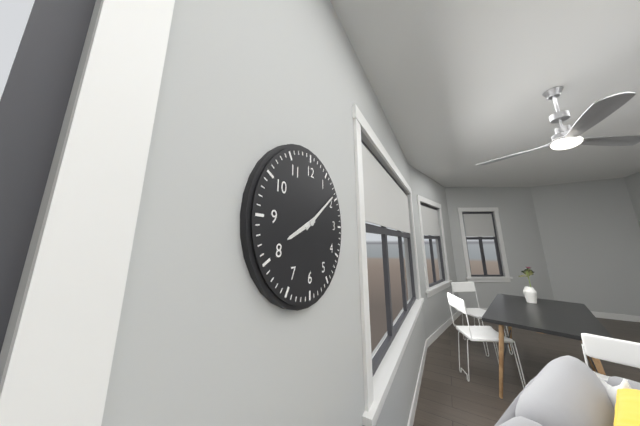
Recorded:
8,09
